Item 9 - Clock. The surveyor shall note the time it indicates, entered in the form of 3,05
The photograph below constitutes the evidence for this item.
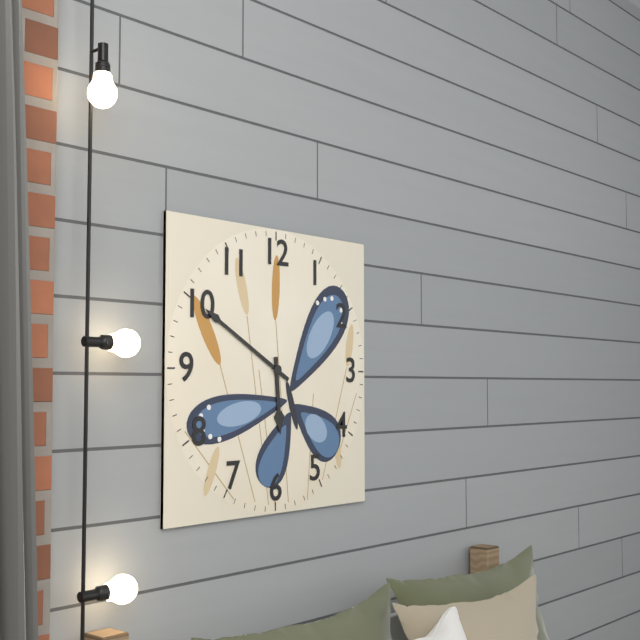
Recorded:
5,50
